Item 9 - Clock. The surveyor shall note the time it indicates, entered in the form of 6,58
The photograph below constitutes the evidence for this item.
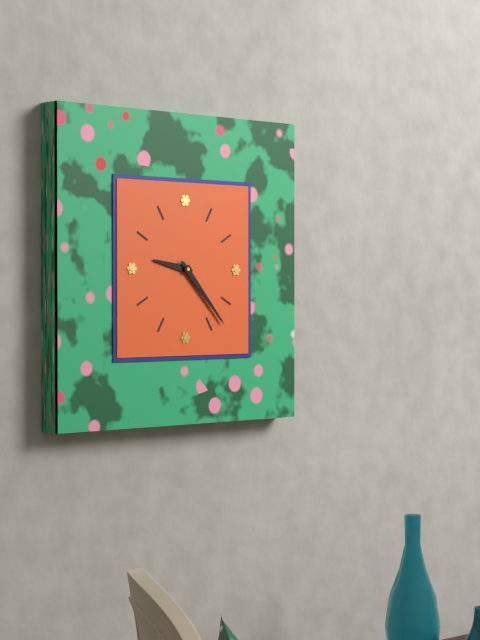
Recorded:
9,23
